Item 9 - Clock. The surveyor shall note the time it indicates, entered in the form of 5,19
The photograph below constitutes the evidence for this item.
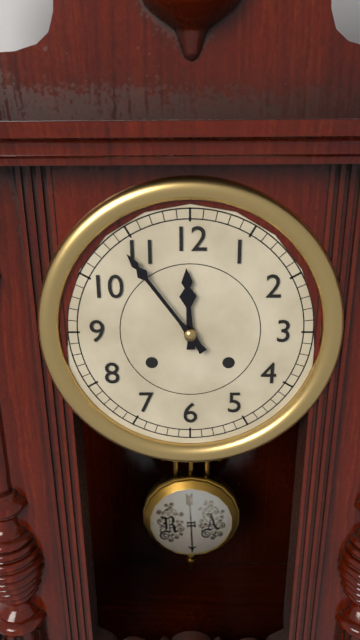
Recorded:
11,54
